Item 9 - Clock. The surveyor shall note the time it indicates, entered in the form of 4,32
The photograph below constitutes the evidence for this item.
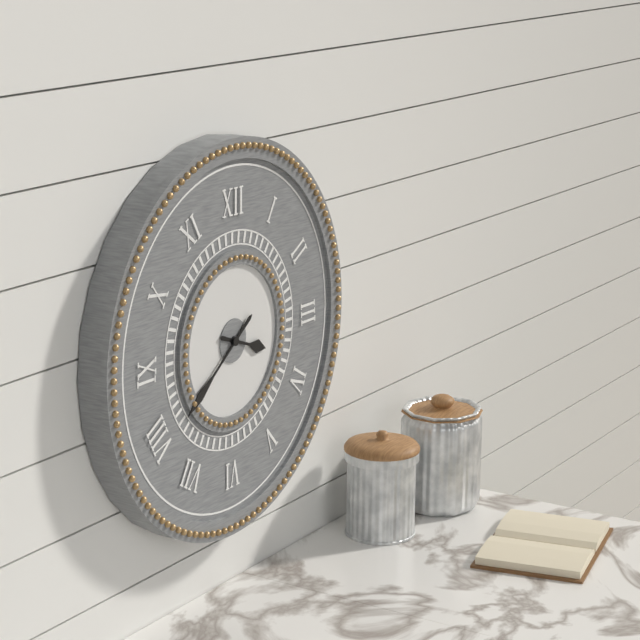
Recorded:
3,39
